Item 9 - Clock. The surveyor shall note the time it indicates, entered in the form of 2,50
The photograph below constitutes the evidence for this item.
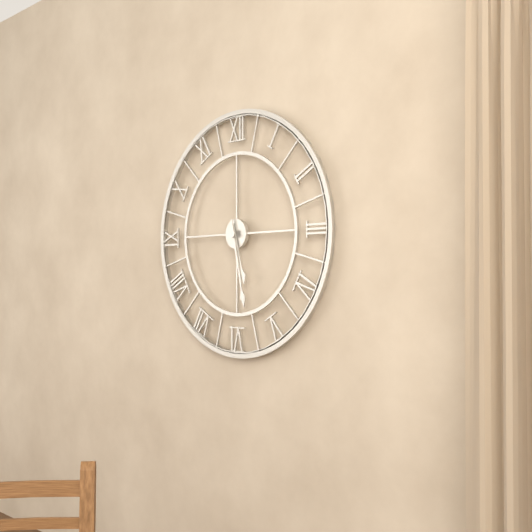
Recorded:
5,28
